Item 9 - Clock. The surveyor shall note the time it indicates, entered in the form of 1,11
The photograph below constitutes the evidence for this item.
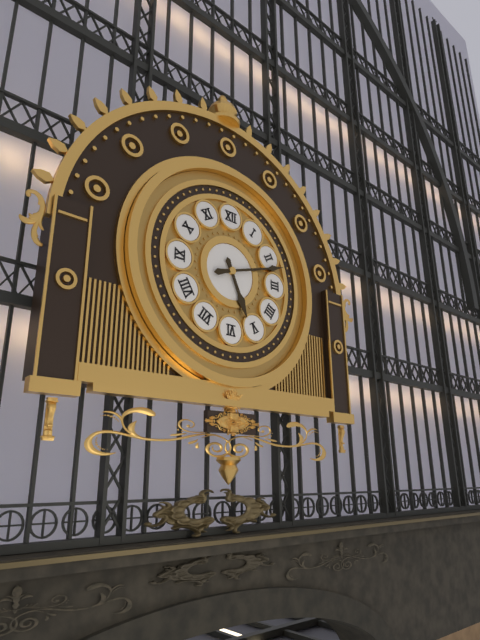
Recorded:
5,12
